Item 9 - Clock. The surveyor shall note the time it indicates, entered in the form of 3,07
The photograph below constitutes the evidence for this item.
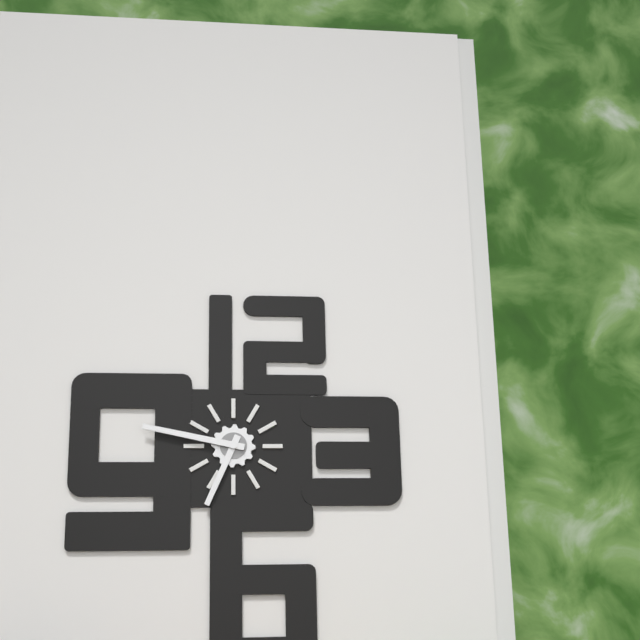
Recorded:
6,47
